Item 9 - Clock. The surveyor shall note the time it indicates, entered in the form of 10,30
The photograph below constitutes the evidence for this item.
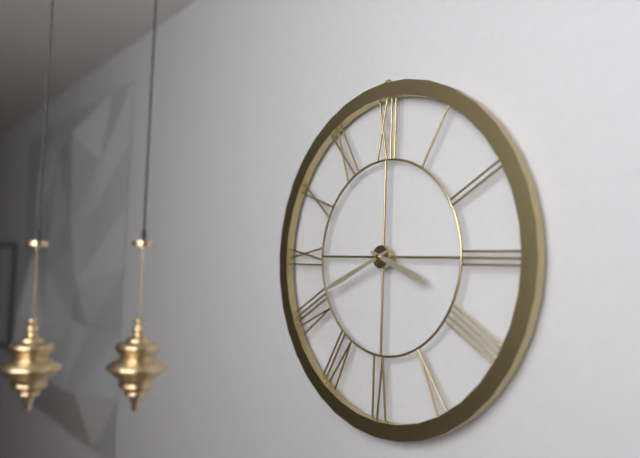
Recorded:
3,41
